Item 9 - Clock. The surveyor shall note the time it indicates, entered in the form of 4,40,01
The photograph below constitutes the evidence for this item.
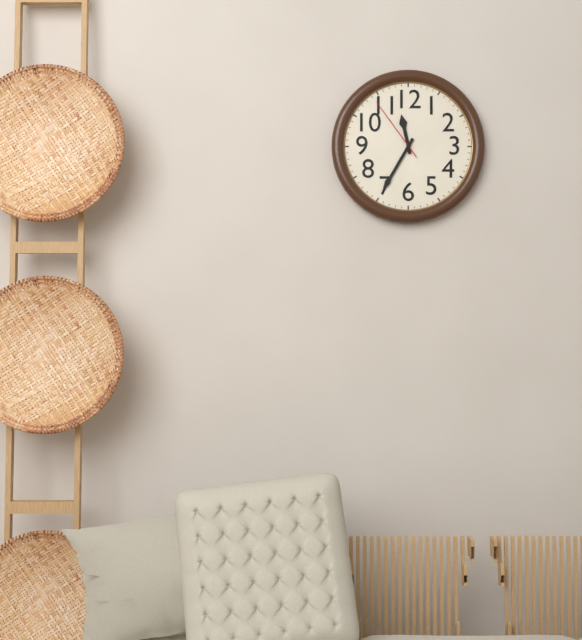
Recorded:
11,35,54
